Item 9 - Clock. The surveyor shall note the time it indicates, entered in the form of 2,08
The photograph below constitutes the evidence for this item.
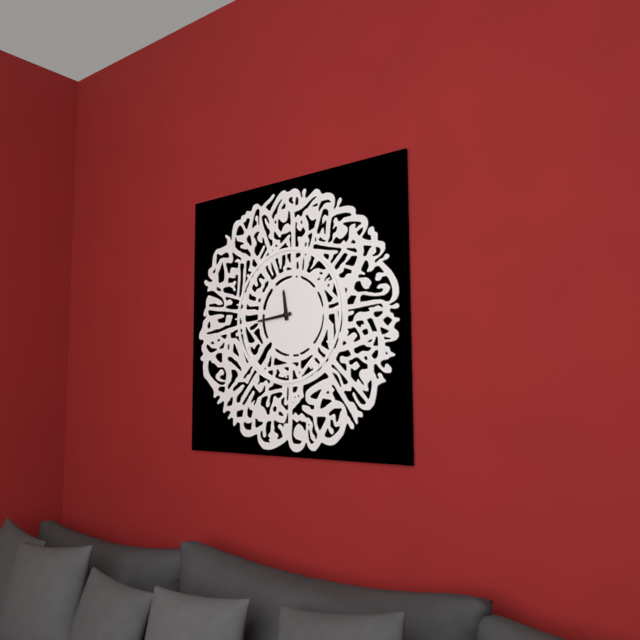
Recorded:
11,44
